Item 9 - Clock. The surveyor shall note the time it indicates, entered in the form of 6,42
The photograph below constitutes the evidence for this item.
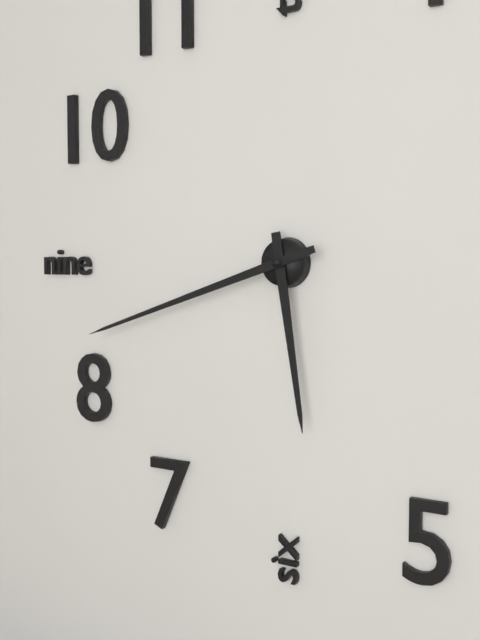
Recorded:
5,42
